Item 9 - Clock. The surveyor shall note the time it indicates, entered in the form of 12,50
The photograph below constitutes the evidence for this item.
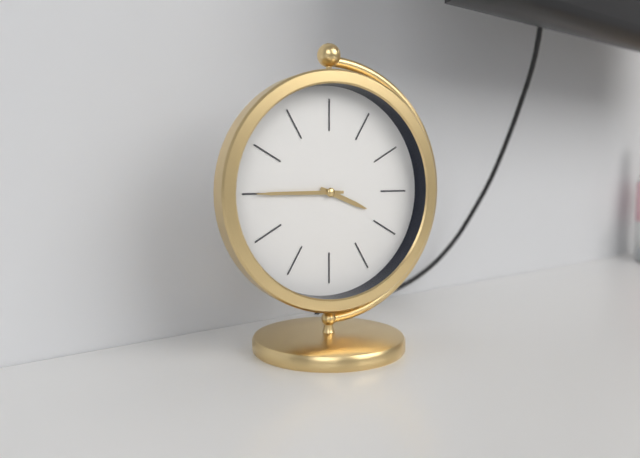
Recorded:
3,45
